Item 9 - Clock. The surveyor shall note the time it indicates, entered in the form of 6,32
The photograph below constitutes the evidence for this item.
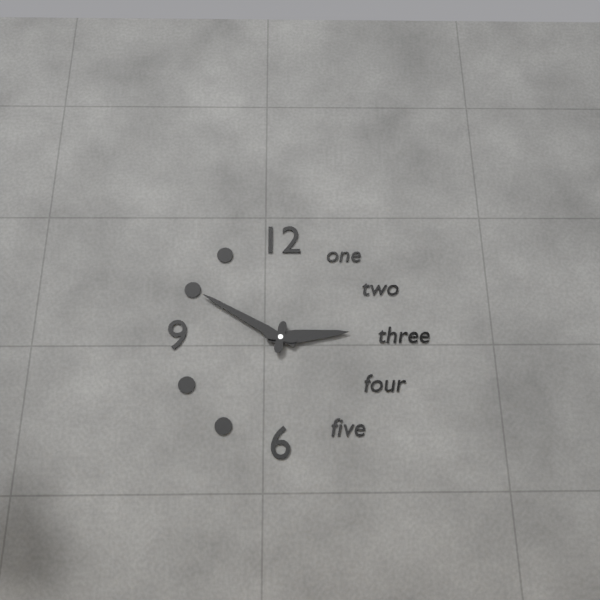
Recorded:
2,50
